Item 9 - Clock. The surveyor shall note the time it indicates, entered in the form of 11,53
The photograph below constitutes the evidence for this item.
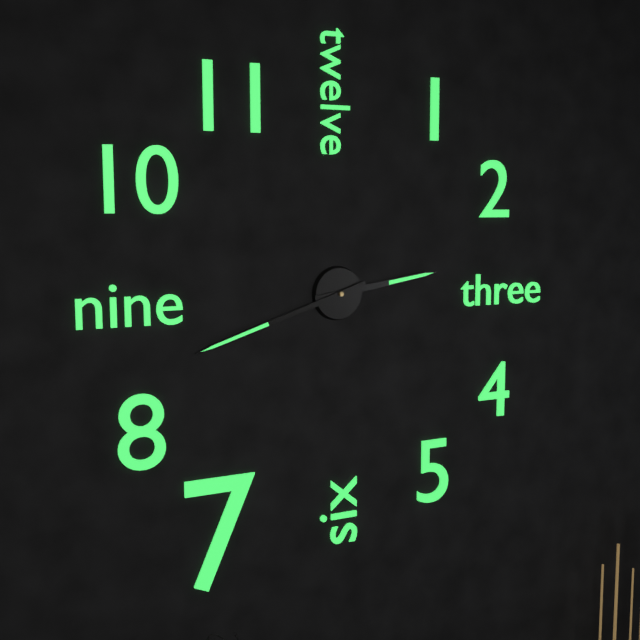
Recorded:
2,42
